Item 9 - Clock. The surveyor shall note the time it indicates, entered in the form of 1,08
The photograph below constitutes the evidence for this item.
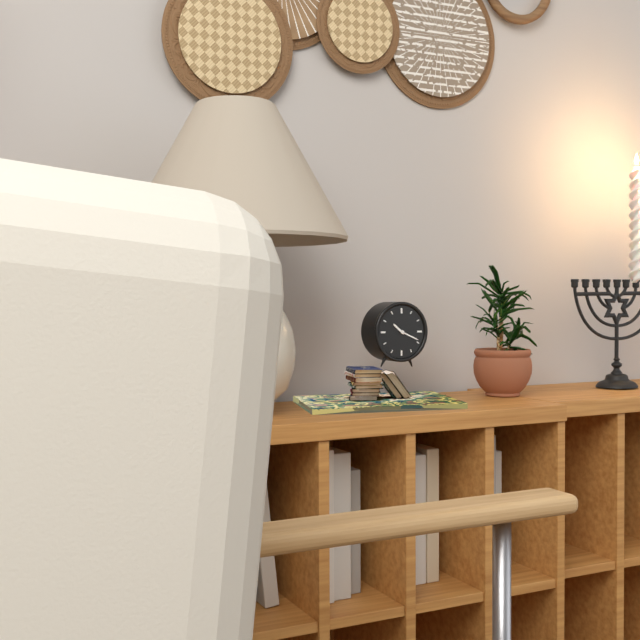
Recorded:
10,19
